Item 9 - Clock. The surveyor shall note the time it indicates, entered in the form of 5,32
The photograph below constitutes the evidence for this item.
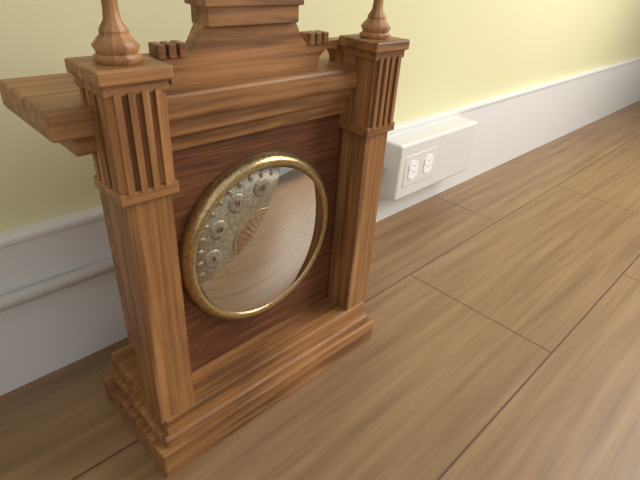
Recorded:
8,03
